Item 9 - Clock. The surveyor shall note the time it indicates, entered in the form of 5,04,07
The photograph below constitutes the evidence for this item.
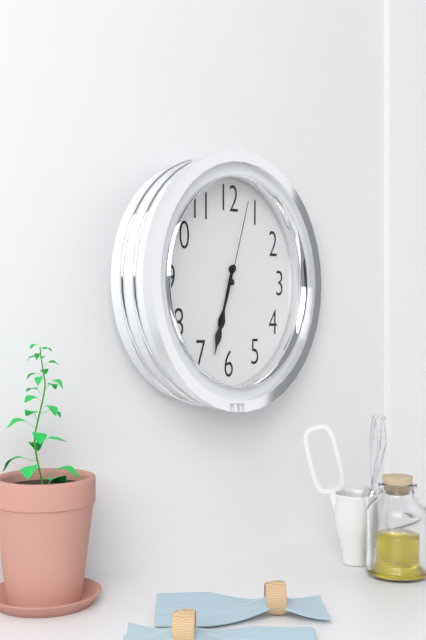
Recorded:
6,33,03
